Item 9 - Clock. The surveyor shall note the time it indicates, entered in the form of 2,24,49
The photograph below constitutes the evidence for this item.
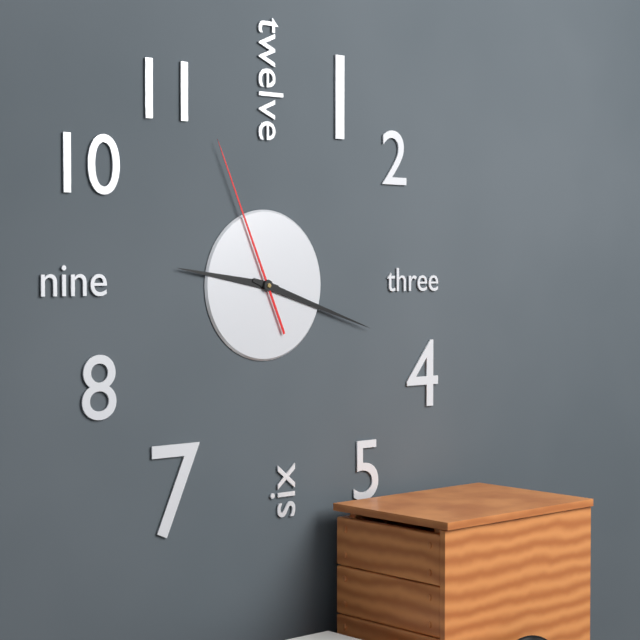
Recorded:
9,18,56
